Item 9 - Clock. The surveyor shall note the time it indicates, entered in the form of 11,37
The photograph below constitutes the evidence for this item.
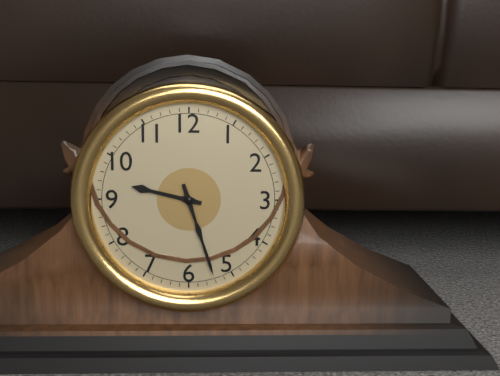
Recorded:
9,27
